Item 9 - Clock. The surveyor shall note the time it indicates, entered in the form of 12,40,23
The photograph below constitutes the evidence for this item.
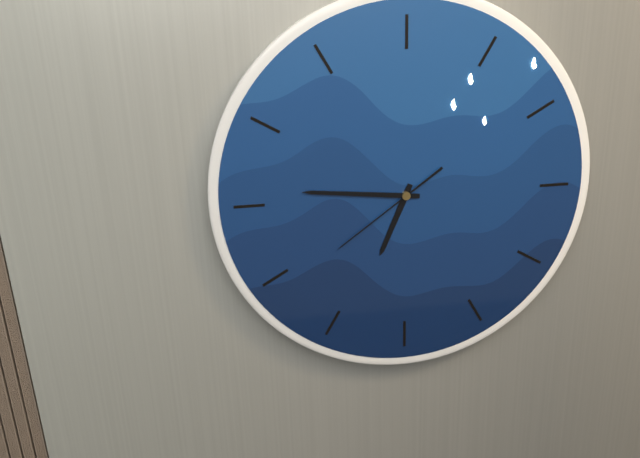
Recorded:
6,46,39
